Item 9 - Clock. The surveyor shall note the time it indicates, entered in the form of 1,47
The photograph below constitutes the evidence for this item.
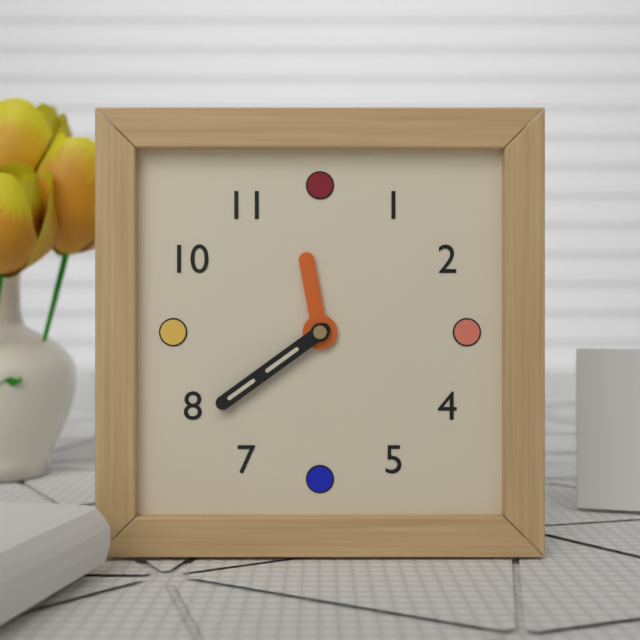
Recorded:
11,39
